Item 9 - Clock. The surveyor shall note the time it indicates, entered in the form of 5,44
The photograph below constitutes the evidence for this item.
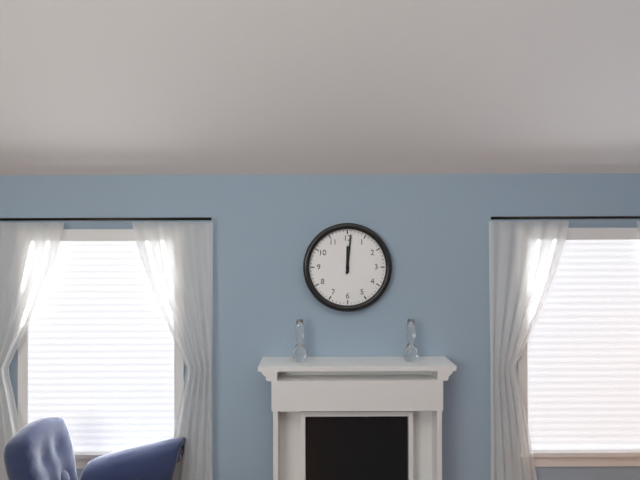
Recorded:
12,01
